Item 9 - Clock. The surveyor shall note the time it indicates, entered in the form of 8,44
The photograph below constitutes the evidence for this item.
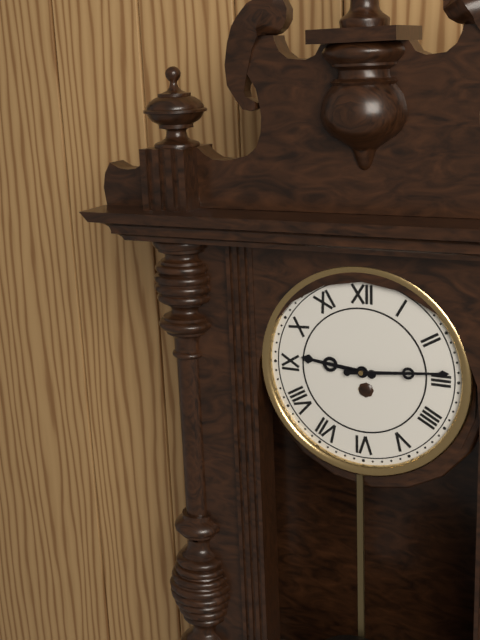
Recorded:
9,14
